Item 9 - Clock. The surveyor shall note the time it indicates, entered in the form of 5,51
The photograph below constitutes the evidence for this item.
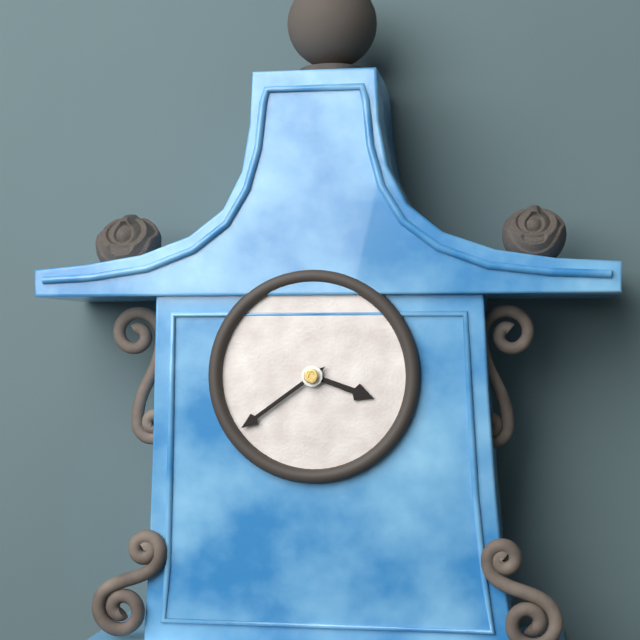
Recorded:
3,39
